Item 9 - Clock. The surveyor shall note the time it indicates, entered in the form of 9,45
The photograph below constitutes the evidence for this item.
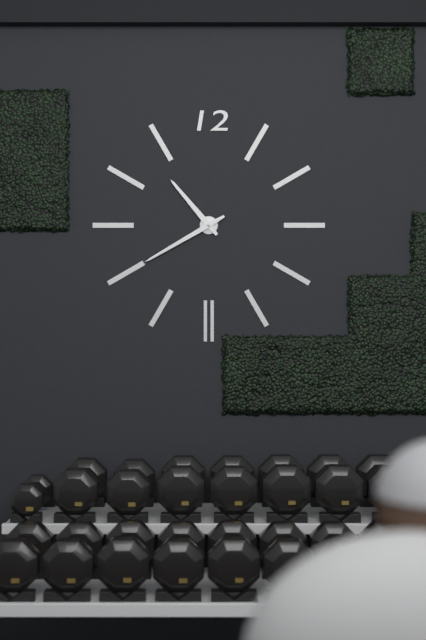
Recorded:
10,40
